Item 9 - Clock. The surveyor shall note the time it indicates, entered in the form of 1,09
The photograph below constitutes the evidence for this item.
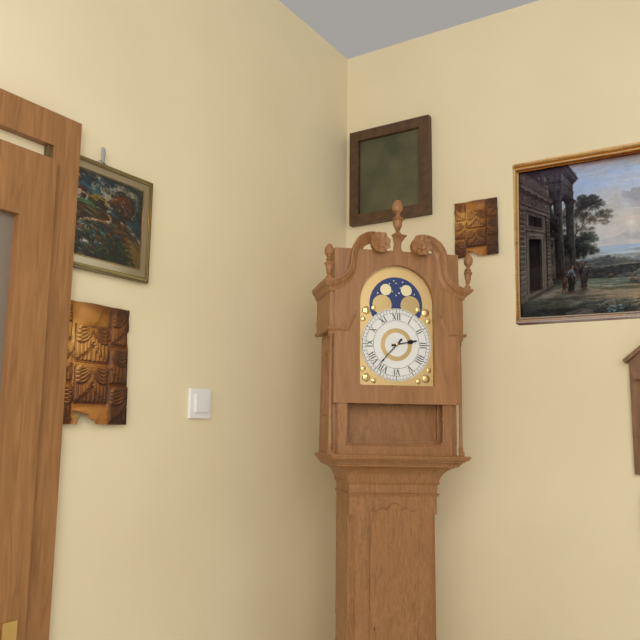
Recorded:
2,37
